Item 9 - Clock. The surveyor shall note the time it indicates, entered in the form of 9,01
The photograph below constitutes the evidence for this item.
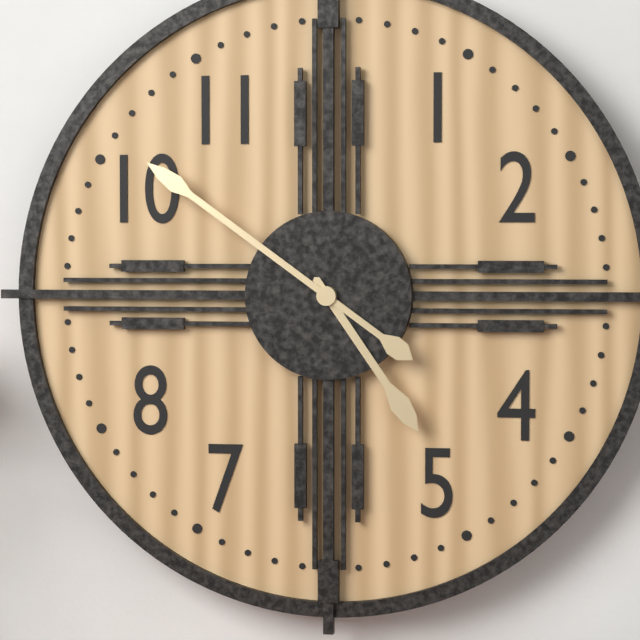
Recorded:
4,51
